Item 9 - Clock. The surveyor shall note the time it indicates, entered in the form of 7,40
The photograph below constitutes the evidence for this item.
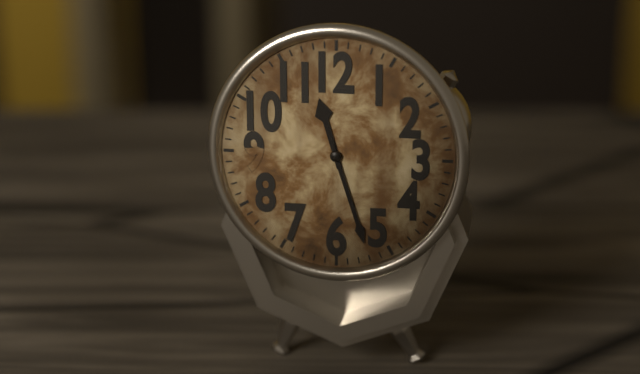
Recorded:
11,27
